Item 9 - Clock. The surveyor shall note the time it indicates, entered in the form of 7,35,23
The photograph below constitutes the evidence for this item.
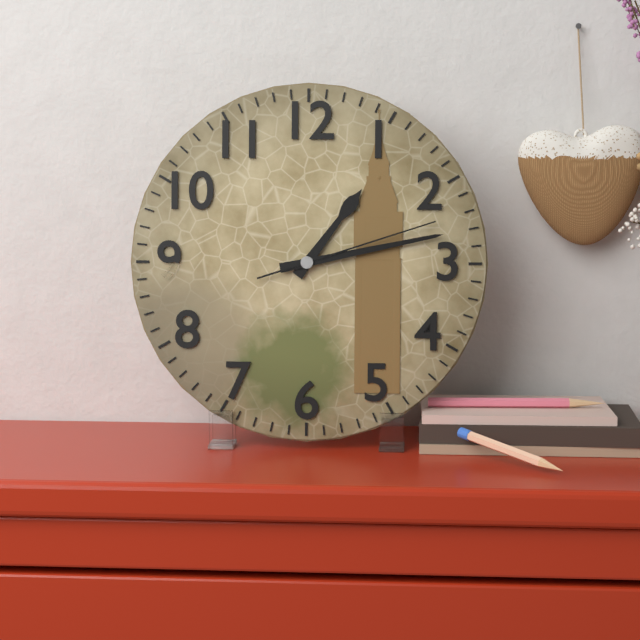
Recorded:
1,13,12
